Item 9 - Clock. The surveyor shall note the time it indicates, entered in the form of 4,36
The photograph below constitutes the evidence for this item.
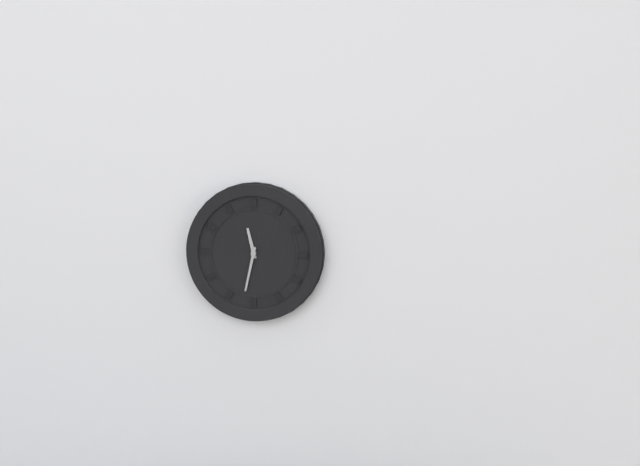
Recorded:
11,32
